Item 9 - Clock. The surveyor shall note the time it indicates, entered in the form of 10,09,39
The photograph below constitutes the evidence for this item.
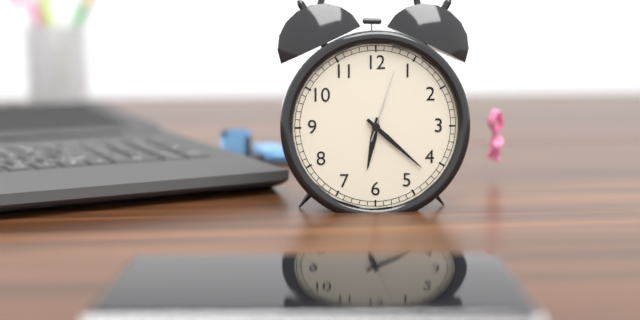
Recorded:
6,22,03
